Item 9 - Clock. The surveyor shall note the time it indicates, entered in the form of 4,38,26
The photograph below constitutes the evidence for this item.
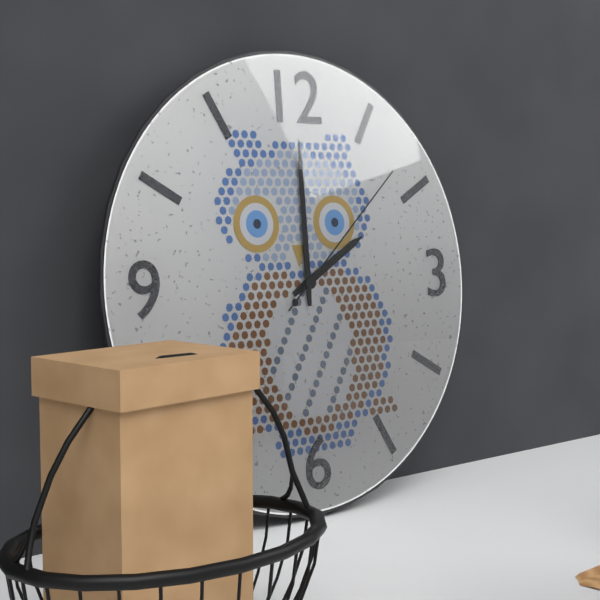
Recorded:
2,00,08
